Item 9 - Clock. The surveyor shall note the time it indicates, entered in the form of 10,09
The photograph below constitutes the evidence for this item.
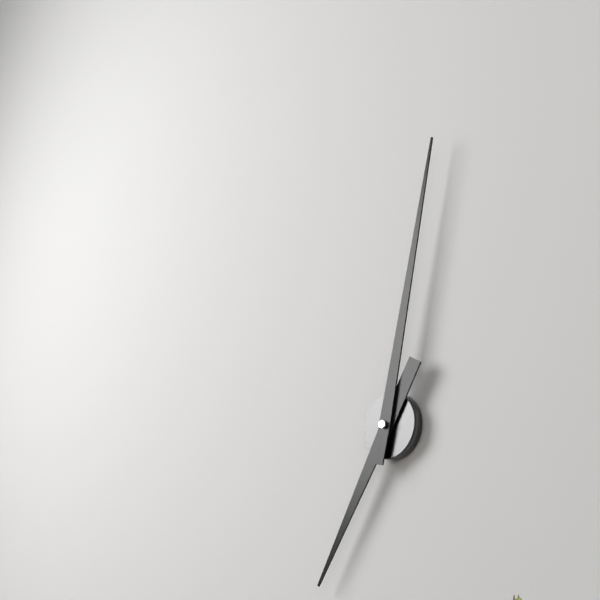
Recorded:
7,02
